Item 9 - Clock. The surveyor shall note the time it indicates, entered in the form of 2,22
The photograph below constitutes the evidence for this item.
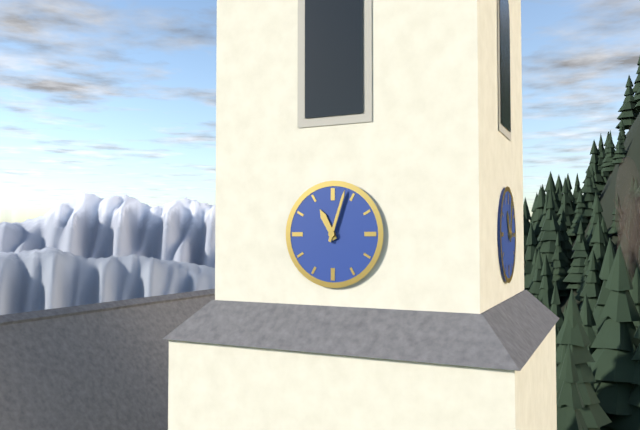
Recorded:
11,03
